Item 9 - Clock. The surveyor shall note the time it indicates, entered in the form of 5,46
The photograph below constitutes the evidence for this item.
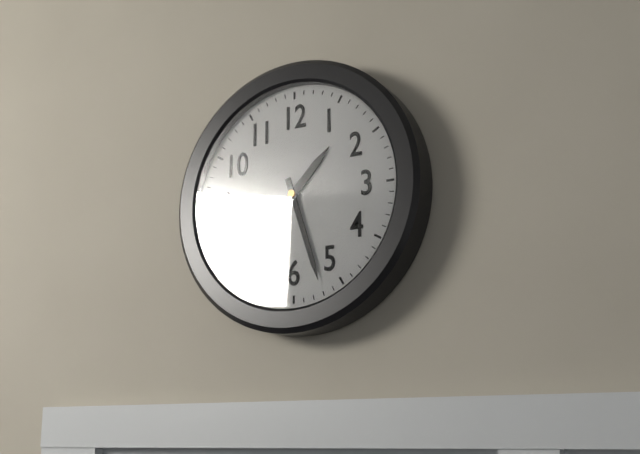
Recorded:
1,27
